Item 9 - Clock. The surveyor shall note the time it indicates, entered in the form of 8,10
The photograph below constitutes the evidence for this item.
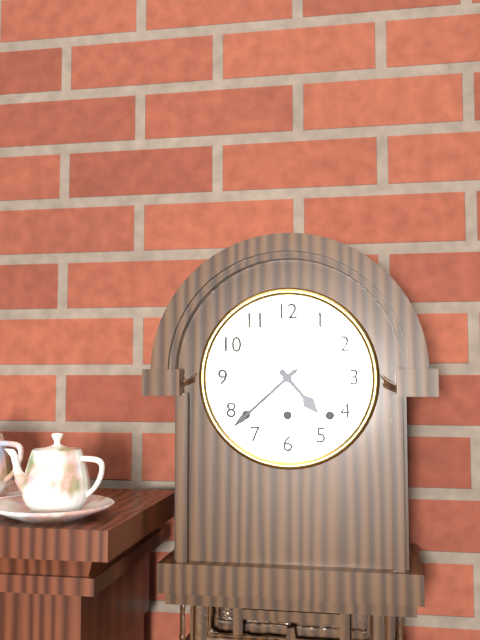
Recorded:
4,38
